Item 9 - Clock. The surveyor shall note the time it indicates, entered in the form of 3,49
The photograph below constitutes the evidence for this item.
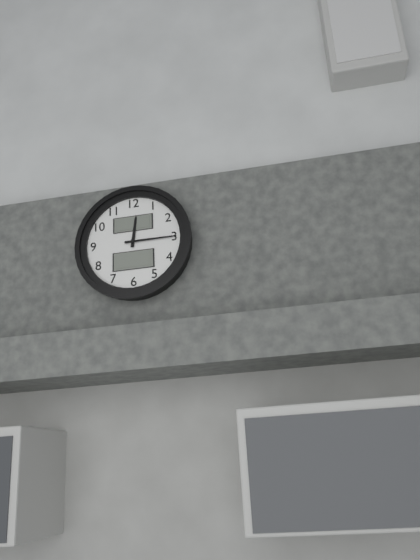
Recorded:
12,15
